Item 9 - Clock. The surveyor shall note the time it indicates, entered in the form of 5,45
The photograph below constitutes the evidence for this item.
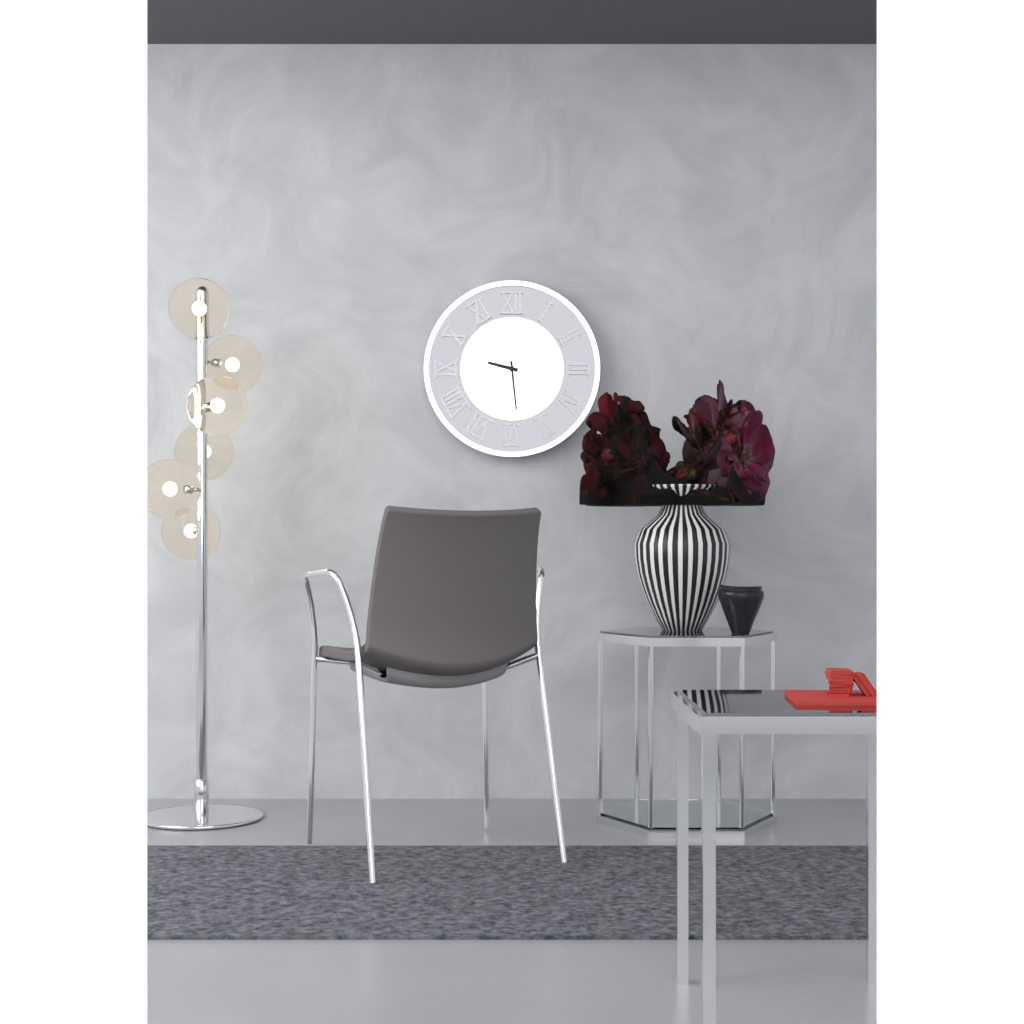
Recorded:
9,29
